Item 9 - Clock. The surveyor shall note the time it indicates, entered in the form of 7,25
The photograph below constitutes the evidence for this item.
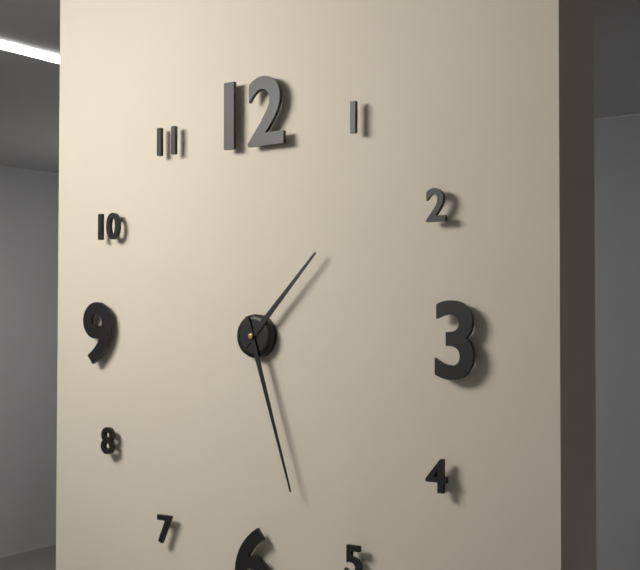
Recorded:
1,27
